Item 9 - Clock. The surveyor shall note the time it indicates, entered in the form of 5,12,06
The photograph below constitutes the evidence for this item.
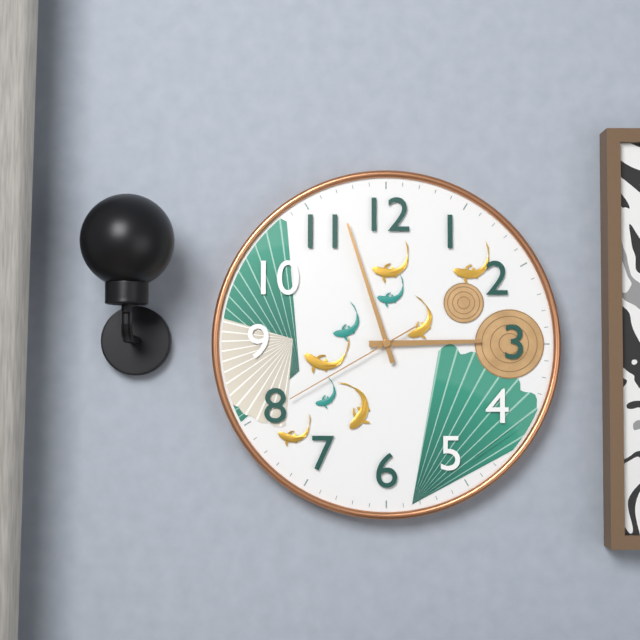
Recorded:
2,57,40
